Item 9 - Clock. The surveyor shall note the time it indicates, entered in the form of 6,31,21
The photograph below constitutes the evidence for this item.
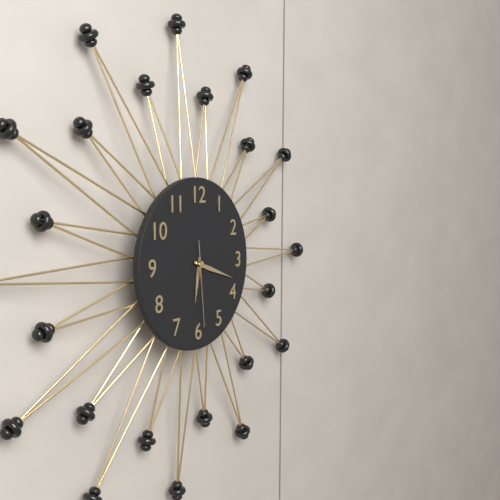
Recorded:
6,18,29
